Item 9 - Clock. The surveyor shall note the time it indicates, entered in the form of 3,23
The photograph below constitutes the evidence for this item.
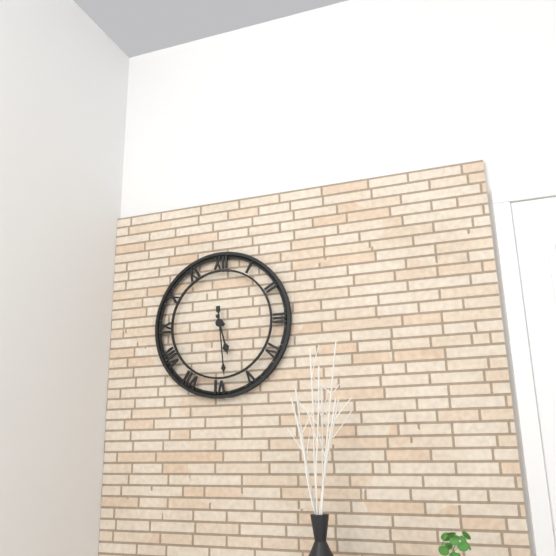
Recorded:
5,29
